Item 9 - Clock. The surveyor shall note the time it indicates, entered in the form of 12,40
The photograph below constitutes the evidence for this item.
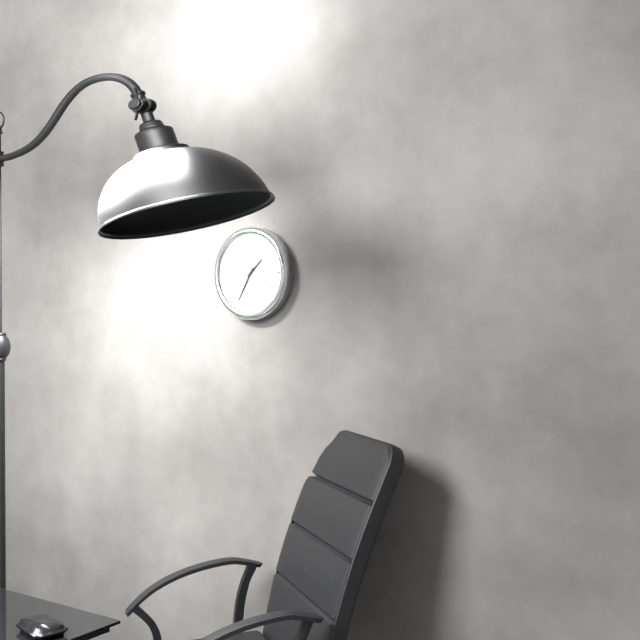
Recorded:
1,35
